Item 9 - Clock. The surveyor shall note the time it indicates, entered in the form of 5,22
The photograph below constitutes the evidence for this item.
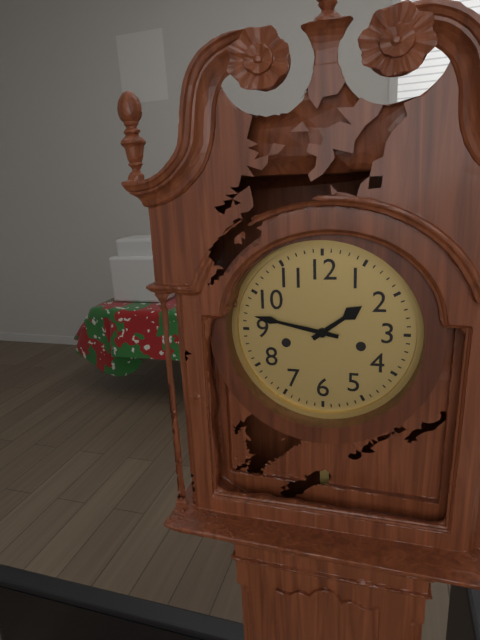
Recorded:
1,47
